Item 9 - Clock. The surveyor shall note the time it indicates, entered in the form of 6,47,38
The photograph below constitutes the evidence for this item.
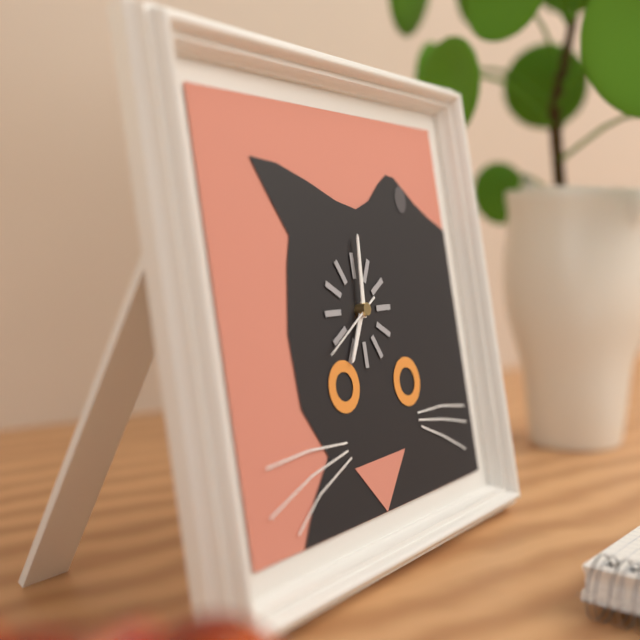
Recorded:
7,01,40
